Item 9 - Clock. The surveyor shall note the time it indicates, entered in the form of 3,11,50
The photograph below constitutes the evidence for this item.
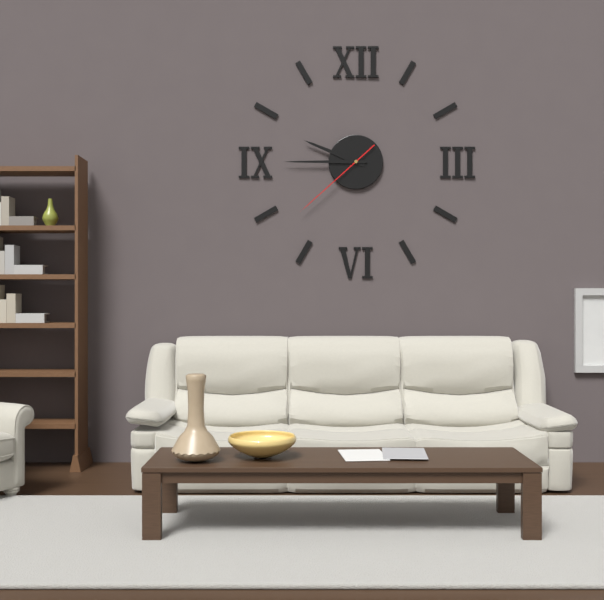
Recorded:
9,45,38
